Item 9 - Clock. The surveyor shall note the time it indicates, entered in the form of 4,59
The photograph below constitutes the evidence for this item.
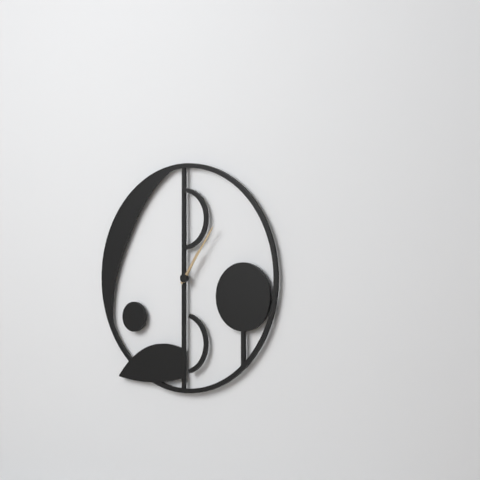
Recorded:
1,06
